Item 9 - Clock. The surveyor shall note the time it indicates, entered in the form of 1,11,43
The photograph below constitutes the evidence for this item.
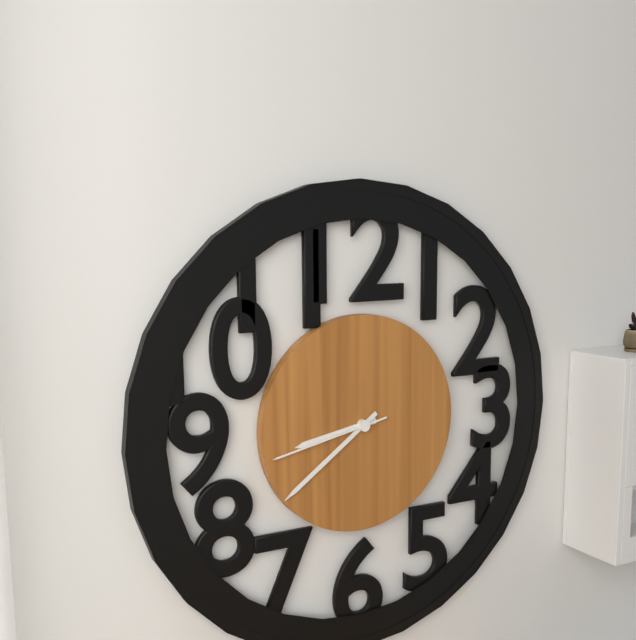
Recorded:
8,39,43
